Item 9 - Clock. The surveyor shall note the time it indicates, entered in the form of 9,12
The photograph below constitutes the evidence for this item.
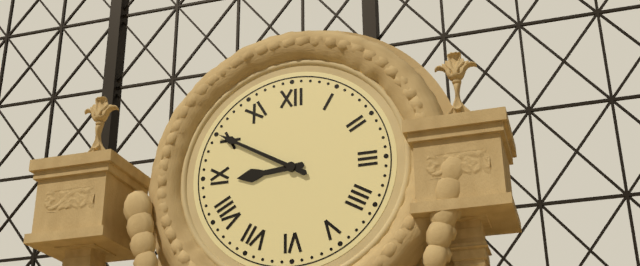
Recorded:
8,50
